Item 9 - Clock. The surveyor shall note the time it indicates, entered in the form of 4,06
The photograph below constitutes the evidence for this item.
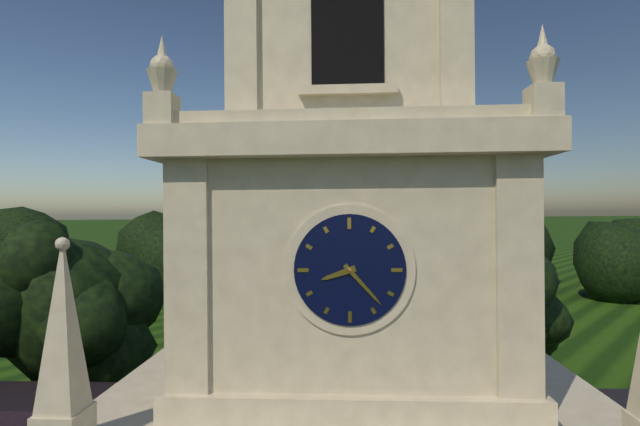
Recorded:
8,23
